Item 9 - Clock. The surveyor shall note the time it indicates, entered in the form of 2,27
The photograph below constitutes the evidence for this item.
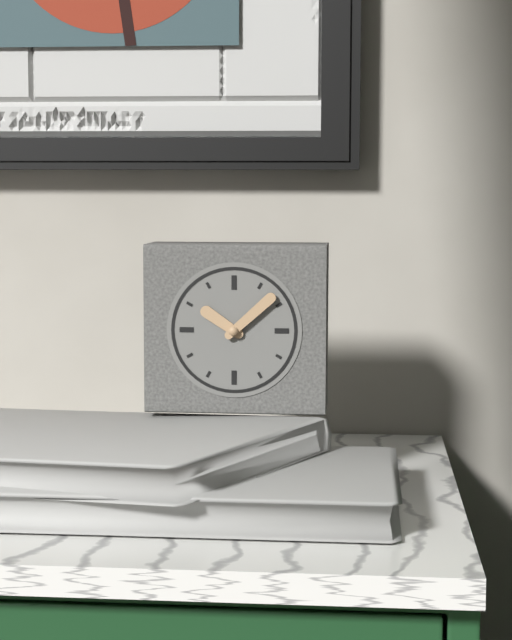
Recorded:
10,08
